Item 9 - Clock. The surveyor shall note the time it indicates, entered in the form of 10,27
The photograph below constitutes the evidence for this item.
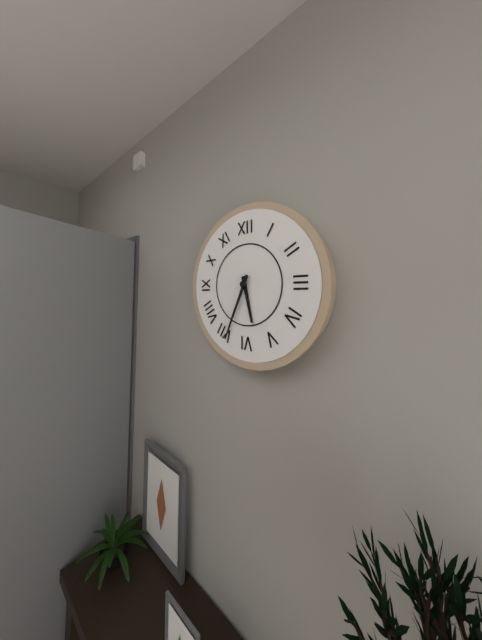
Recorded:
5,34
